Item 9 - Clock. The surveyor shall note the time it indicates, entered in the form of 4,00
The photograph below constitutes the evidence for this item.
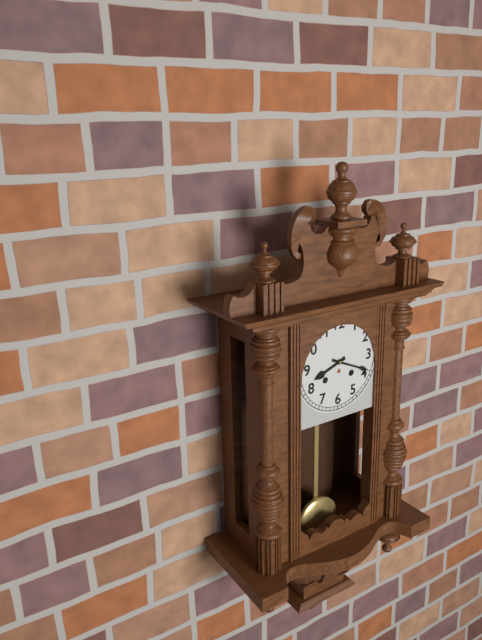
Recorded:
8,19
